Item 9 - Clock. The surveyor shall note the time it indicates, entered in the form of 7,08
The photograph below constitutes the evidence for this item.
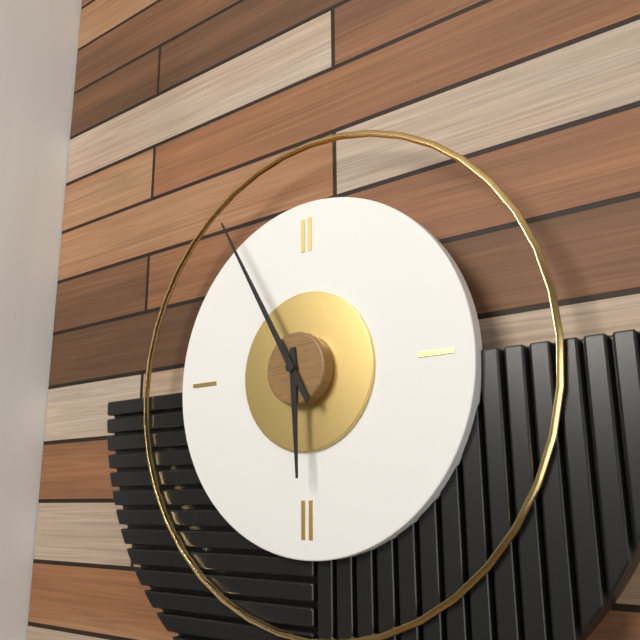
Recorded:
5,55
